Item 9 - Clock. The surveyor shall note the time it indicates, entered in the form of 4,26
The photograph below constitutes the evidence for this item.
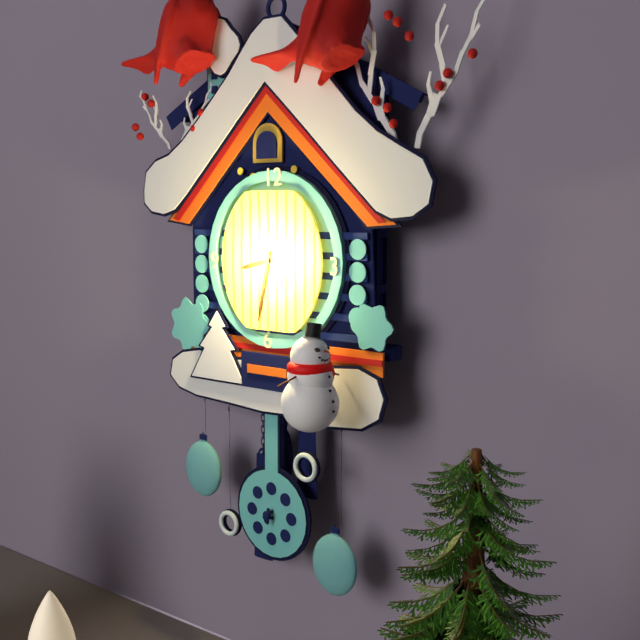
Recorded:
8,32
